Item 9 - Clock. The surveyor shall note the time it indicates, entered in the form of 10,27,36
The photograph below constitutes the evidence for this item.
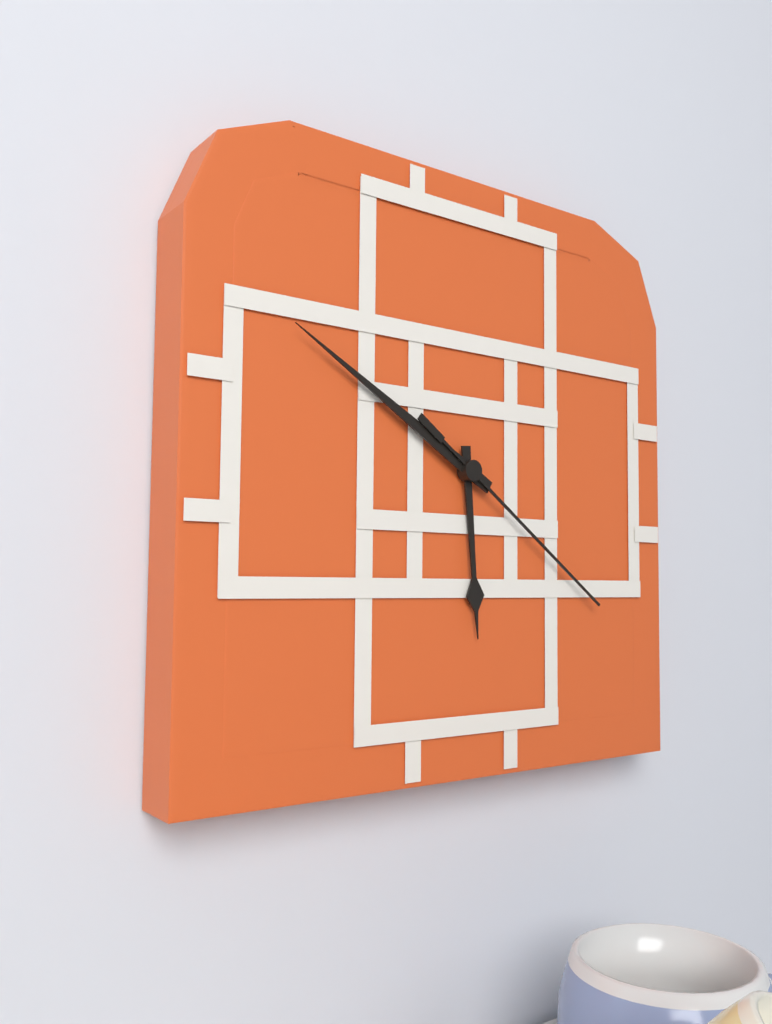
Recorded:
5,50,21
